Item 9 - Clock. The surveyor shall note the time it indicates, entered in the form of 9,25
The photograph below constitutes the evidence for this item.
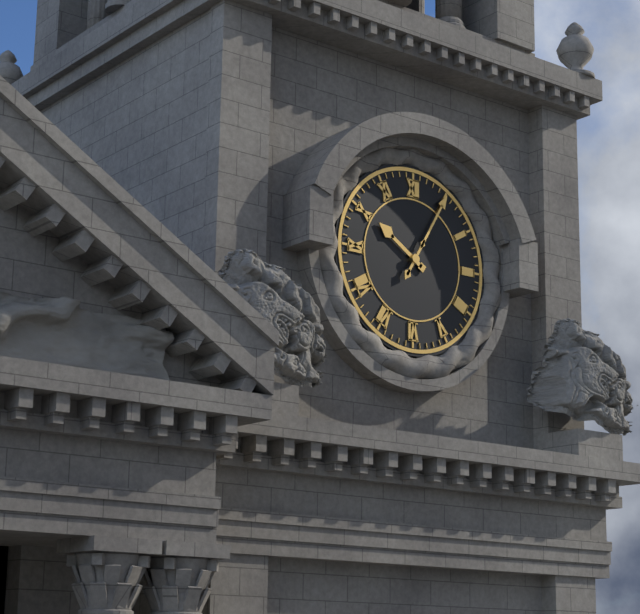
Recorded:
10,05
